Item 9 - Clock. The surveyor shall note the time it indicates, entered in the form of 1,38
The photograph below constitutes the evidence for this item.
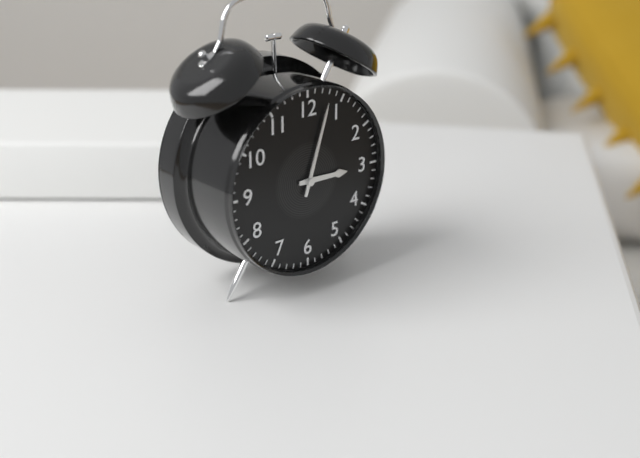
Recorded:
3,03
